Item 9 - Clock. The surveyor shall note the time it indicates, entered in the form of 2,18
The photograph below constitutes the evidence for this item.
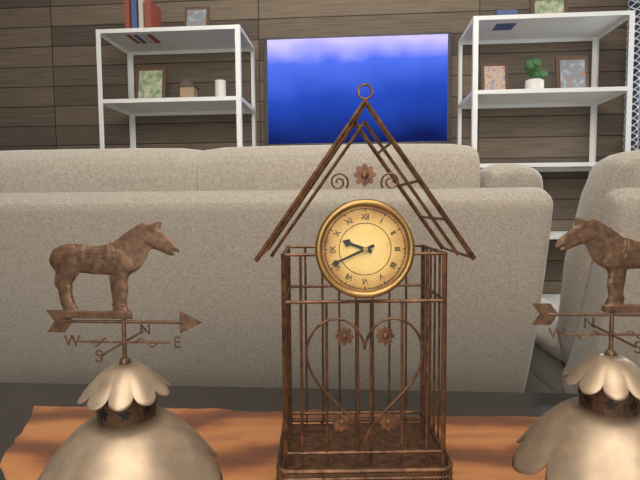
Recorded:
9,41
